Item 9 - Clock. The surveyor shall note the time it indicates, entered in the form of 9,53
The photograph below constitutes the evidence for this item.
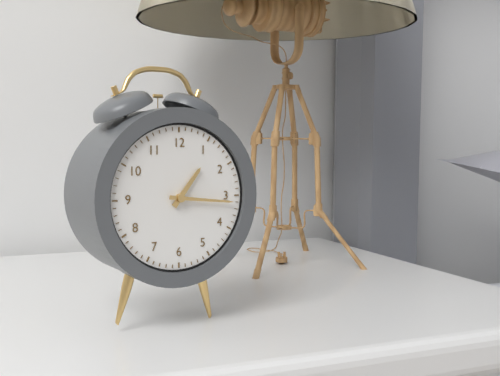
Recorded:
1,16
